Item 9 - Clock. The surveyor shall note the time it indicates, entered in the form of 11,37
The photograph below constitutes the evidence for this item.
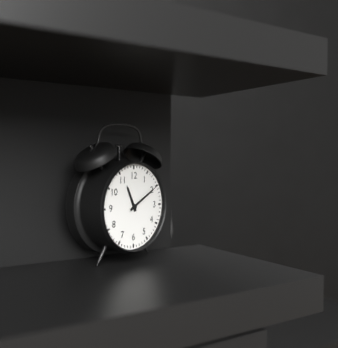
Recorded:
11,10
